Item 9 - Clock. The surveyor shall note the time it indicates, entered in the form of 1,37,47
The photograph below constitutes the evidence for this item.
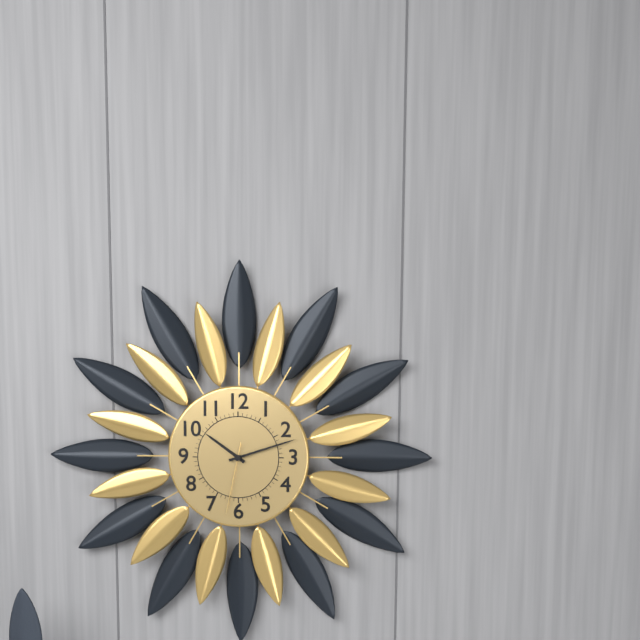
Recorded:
10,12,32
